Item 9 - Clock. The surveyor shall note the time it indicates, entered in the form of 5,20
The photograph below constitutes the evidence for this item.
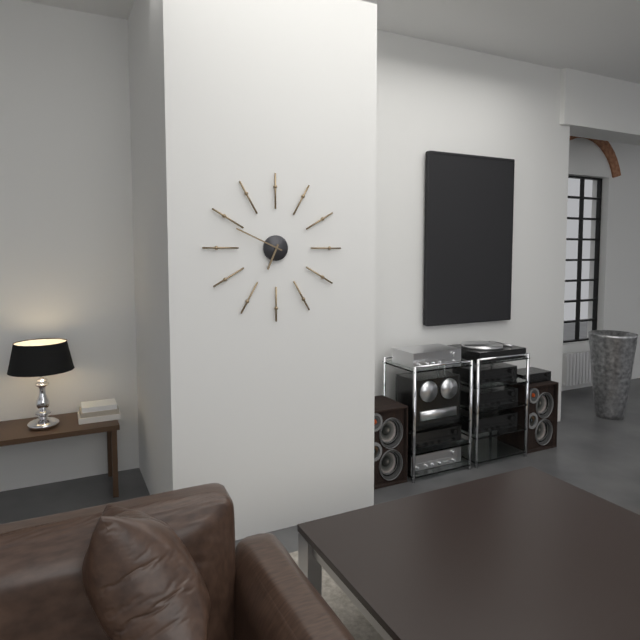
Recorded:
6,49
